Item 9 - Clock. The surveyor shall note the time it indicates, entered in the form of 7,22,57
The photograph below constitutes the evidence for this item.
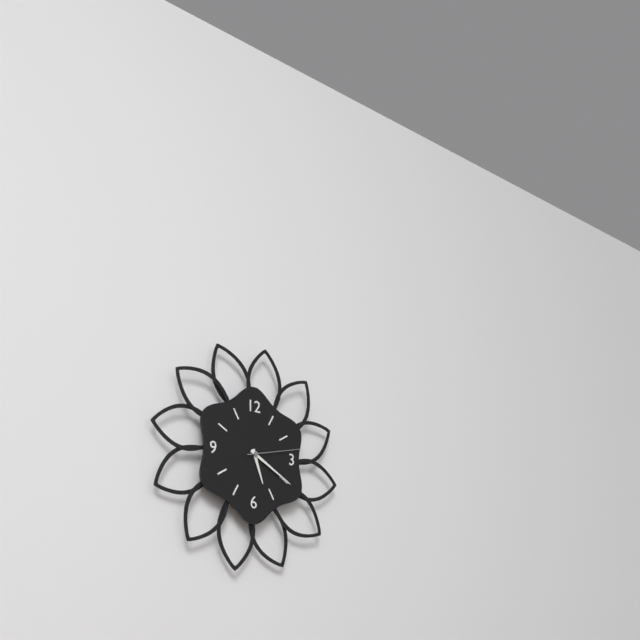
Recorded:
5,20,13
